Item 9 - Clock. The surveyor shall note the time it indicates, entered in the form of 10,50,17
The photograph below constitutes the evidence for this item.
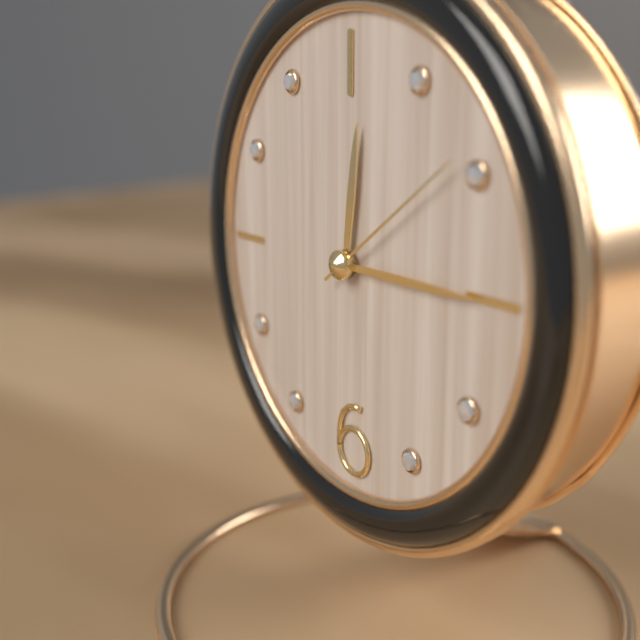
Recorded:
12,15,09
